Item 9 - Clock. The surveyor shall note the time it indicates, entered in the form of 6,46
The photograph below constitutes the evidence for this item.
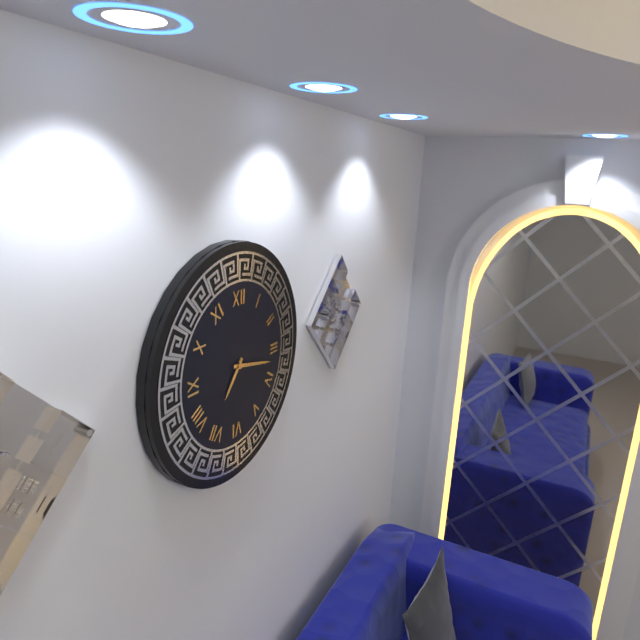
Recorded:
7,17
